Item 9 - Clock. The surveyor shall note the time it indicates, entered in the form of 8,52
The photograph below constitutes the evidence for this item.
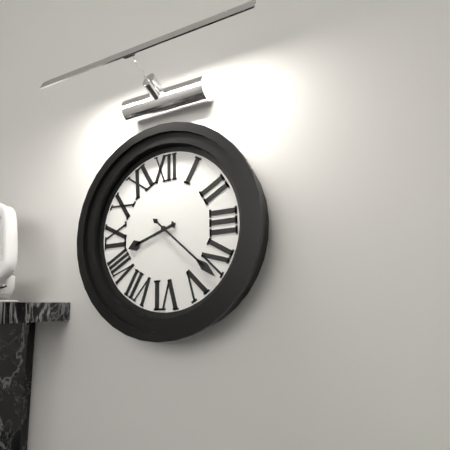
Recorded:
8,22
